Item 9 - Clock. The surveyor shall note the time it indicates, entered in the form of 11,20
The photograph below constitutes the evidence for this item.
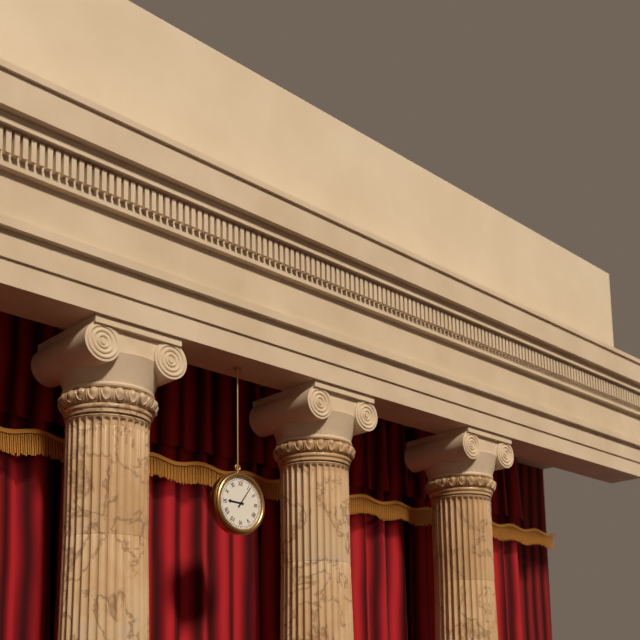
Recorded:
9,06
